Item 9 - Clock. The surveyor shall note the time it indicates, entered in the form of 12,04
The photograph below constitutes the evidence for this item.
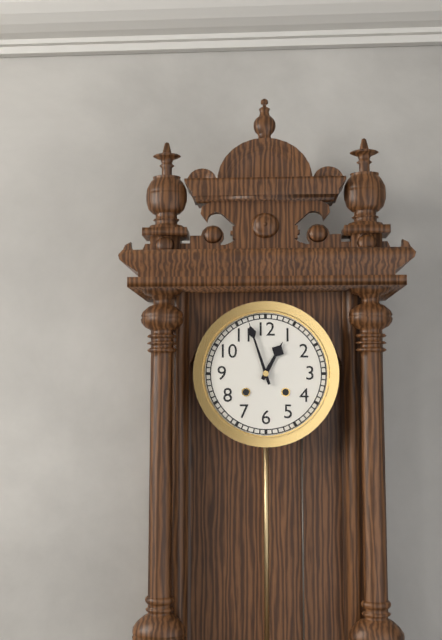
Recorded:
12,57
